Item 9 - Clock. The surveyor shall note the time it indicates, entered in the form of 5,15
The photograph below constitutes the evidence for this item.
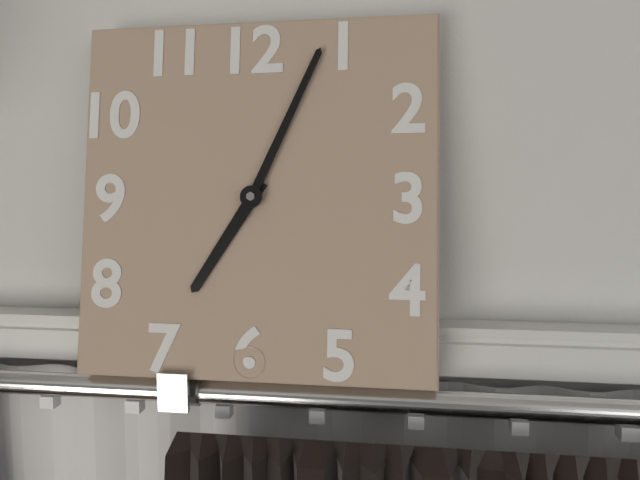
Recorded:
7,04
